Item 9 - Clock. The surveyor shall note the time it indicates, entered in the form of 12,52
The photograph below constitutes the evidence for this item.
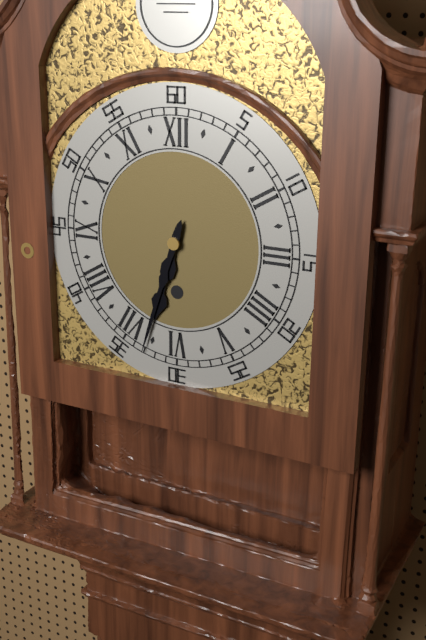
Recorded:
6,33
